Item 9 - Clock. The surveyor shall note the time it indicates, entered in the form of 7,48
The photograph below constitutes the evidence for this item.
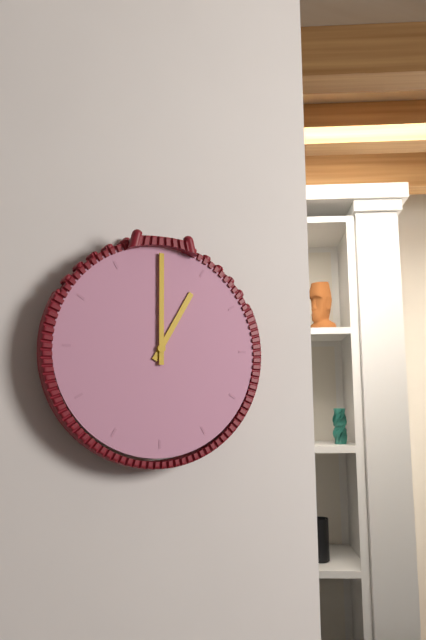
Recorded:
1,00
